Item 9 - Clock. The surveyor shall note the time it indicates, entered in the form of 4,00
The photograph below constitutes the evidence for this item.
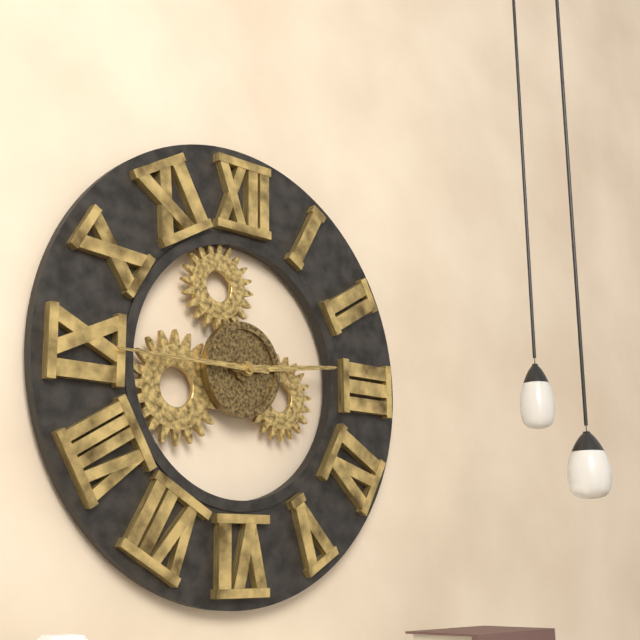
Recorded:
2,45
